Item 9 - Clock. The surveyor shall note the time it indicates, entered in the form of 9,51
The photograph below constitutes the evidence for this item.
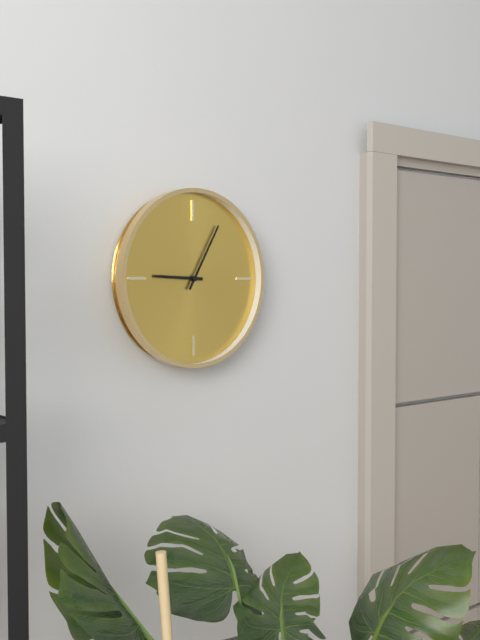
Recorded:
9,05
